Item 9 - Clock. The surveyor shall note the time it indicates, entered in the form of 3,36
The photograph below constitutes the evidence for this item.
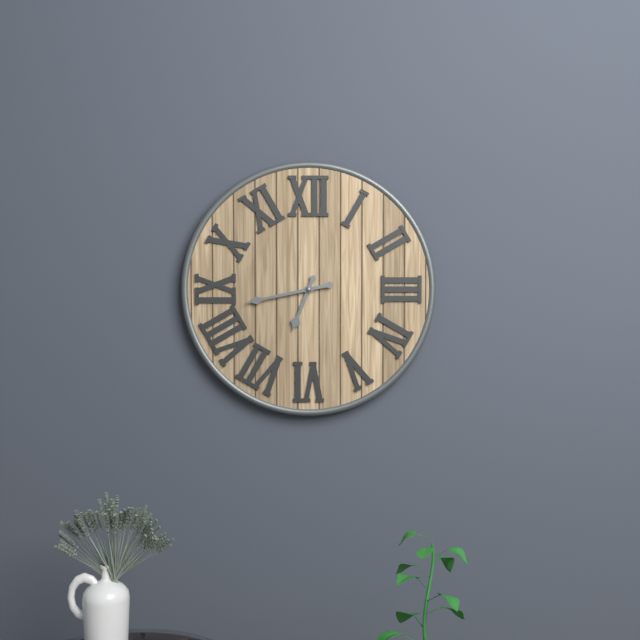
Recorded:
6,43
